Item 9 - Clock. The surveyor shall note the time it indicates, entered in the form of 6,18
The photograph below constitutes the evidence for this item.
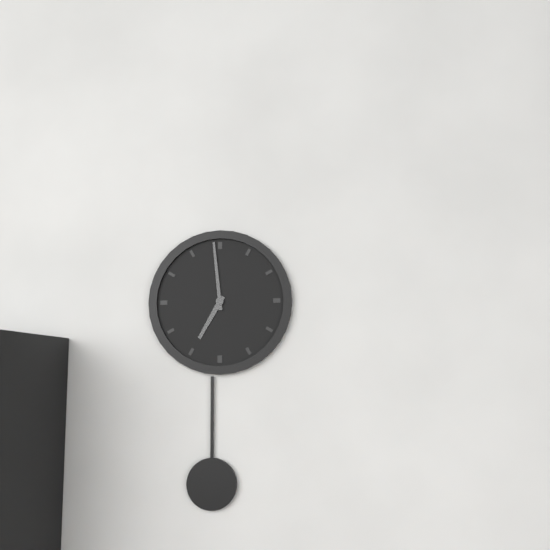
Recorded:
6,59
